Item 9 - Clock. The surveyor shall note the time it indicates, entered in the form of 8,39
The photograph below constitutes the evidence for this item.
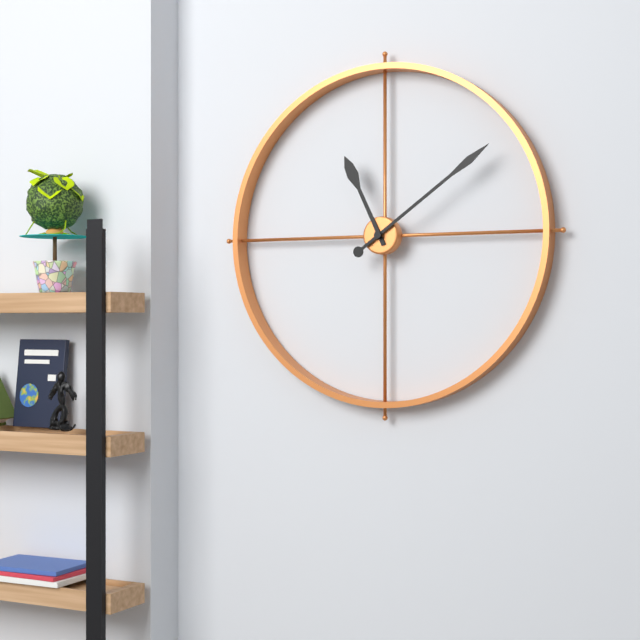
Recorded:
11,09
